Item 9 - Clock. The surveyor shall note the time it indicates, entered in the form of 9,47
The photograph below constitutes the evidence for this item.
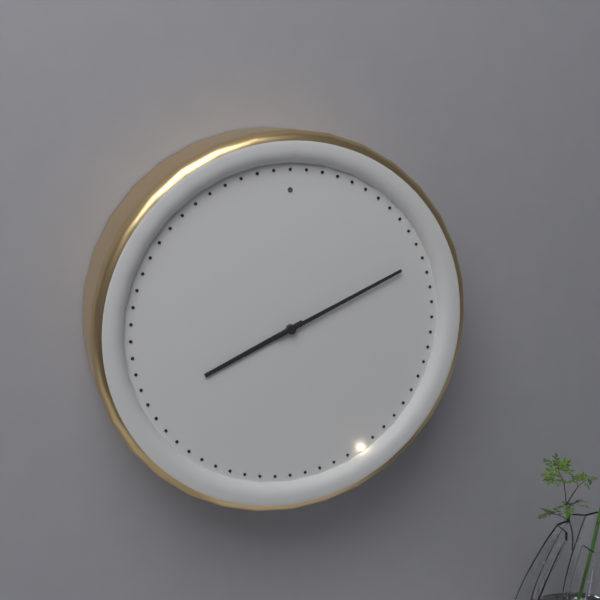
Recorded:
8,11
